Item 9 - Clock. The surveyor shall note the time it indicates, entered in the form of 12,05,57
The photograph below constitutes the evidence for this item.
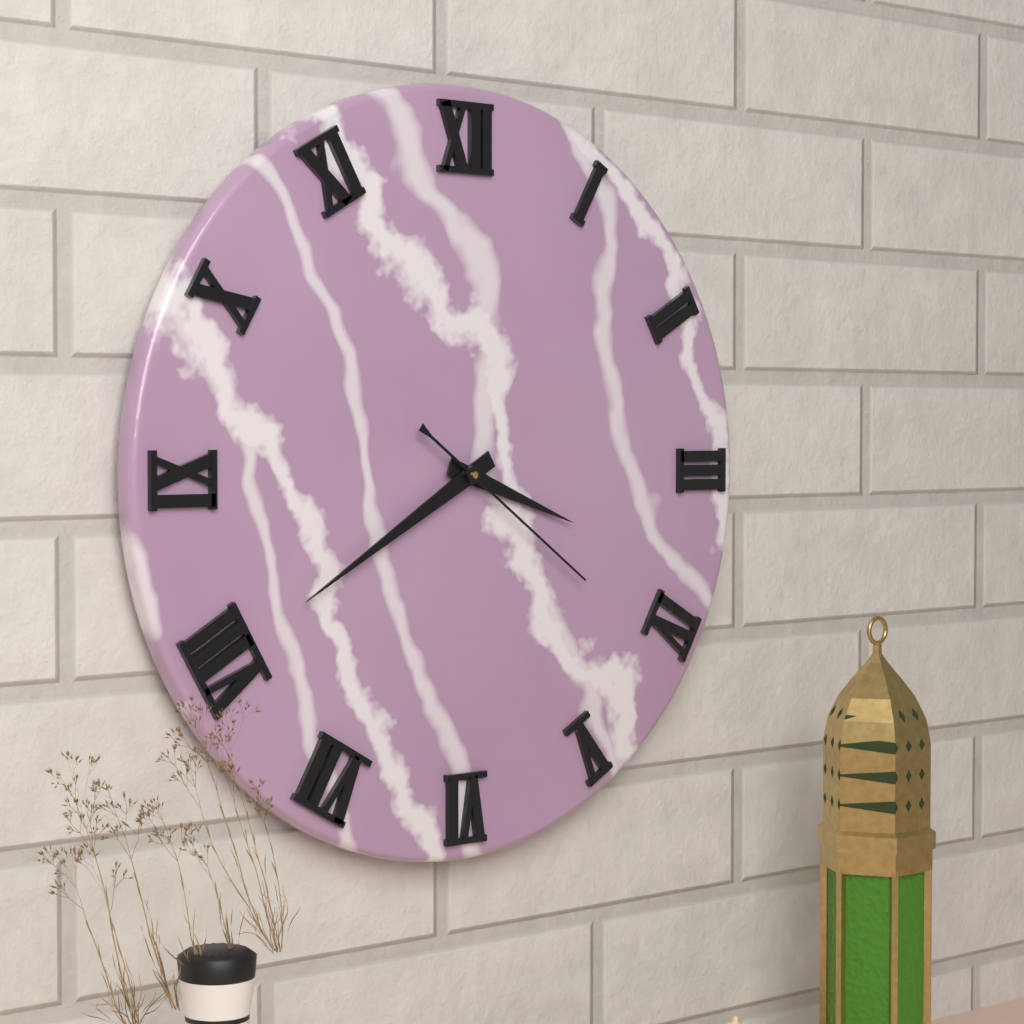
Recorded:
3,40,21
